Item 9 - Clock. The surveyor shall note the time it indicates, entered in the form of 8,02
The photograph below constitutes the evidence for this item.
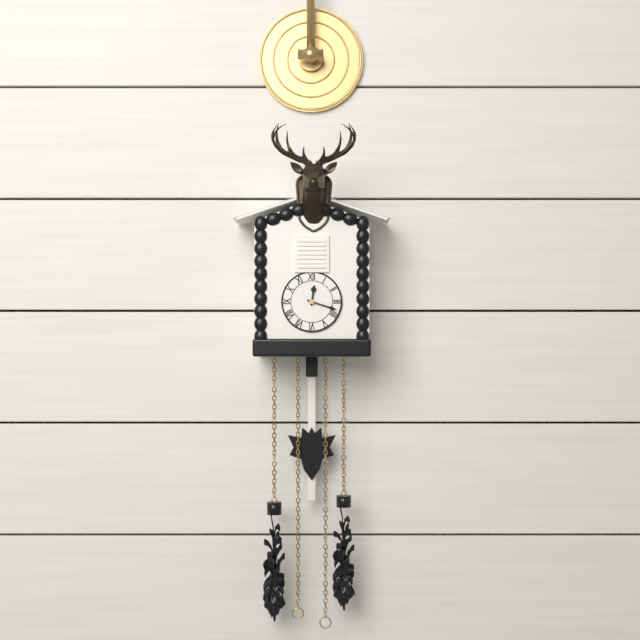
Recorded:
12,18
